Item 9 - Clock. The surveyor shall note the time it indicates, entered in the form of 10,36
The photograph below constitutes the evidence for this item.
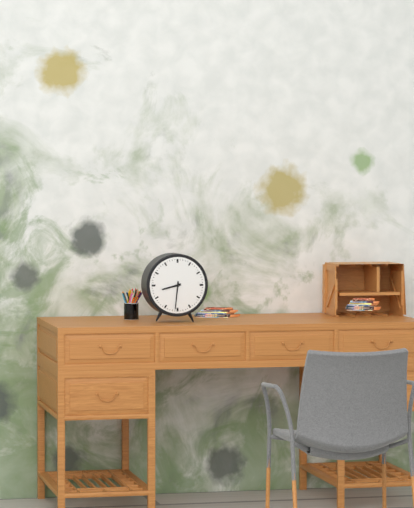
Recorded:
8,31
